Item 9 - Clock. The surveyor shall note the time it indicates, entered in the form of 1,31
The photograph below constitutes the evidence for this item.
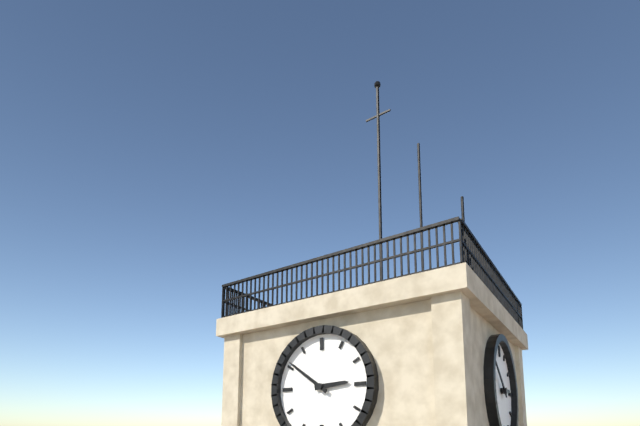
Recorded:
2,51
